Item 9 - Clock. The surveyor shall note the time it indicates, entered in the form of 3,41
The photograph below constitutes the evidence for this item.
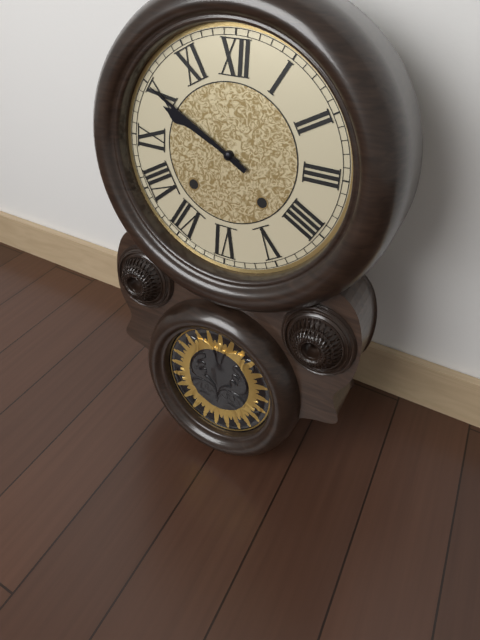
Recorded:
9,50
